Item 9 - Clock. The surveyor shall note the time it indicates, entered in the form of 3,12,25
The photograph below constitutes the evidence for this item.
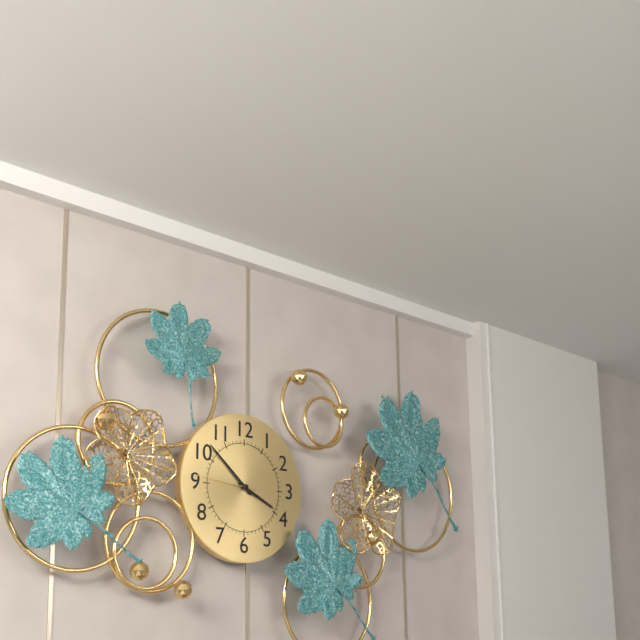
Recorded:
3,52,46
